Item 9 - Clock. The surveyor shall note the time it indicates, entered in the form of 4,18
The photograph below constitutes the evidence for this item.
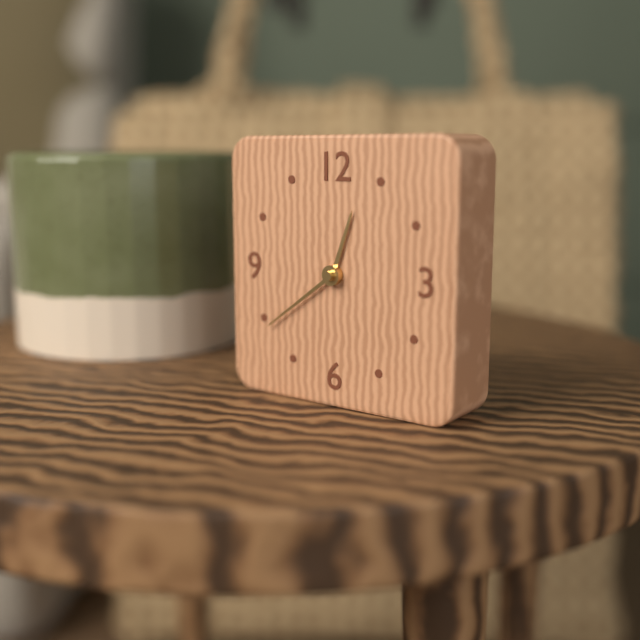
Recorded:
12,39
